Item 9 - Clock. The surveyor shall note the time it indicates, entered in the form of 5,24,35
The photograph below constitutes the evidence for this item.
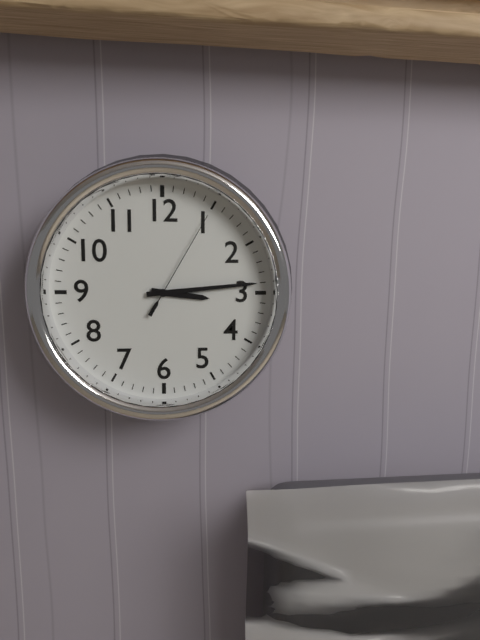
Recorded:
3,14,05
